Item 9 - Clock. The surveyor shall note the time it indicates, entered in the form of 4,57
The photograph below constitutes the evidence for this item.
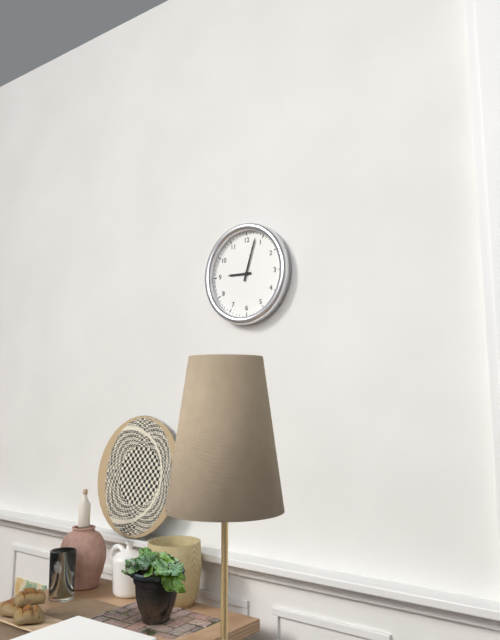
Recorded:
9,03
